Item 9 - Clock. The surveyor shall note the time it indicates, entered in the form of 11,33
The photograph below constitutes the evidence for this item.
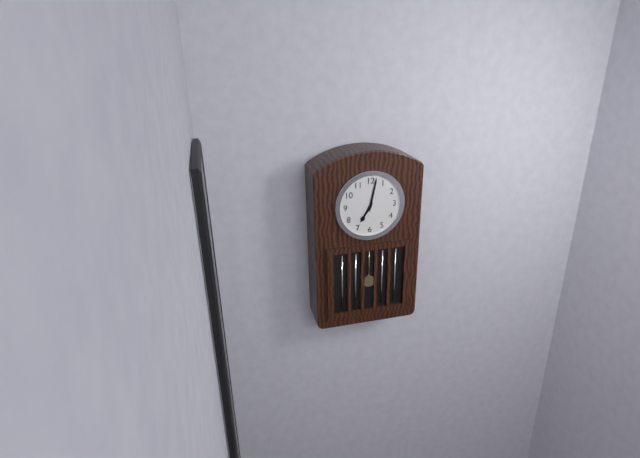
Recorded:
7,02
